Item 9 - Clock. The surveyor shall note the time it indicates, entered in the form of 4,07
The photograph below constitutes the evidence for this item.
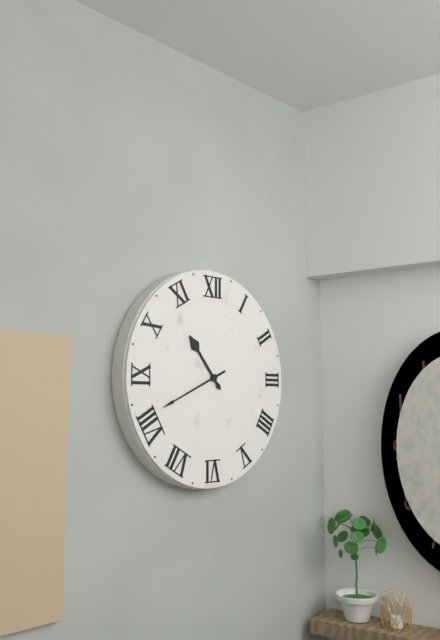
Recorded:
10,41
